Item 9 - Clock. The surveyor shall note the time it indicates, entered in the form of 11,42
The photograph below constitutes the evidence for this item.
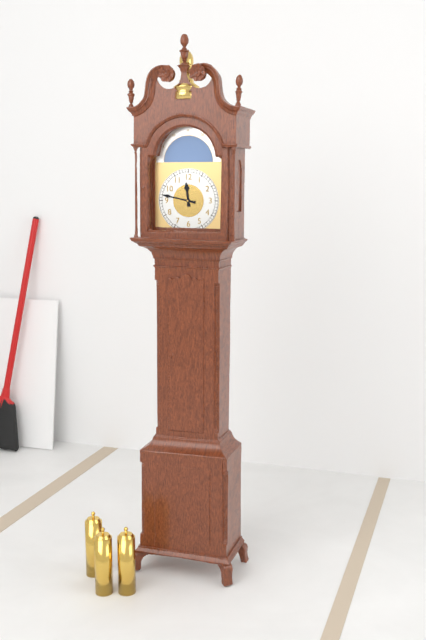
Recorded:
11,47
